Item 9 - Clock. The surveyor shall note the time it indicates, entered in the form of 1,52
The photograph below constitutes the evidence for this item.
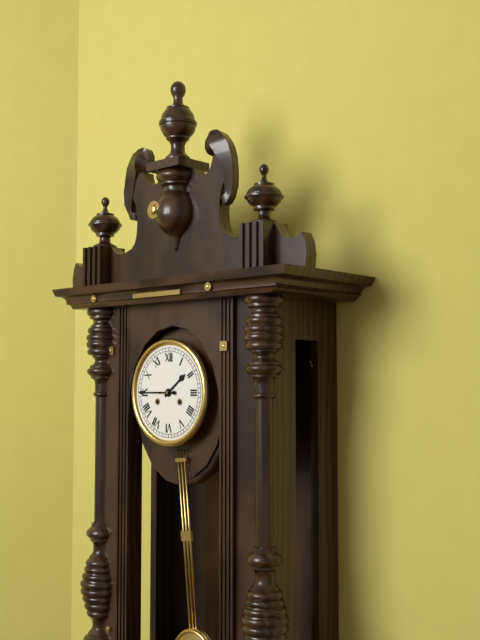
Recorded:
1,45
